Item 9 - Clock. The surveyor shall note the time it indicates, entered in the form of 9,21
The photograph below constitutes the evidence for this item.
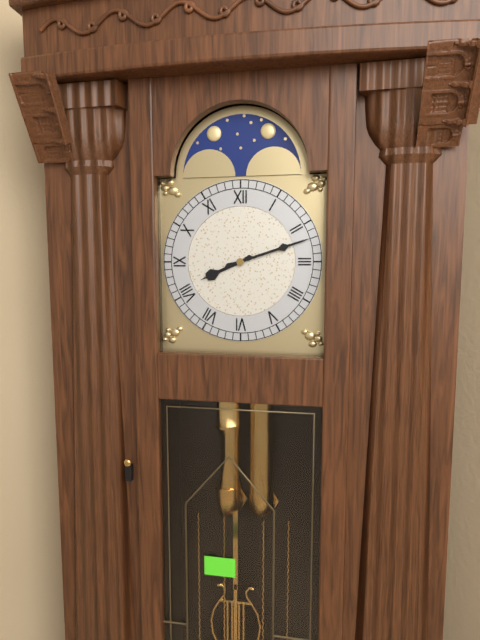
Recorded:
8,12
